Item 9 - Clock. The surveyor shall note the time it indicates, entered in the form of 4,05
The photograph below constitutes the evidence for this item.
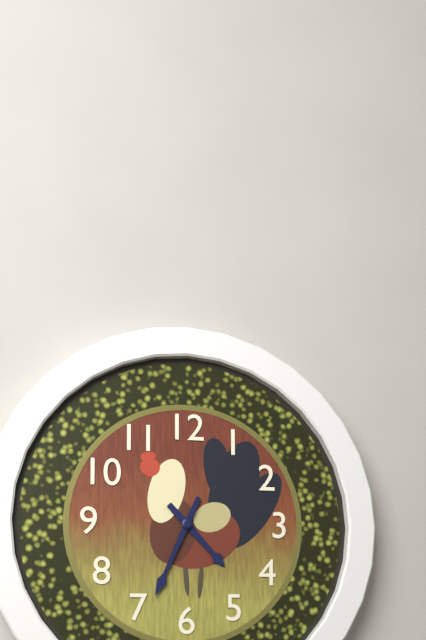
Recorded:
4,34
